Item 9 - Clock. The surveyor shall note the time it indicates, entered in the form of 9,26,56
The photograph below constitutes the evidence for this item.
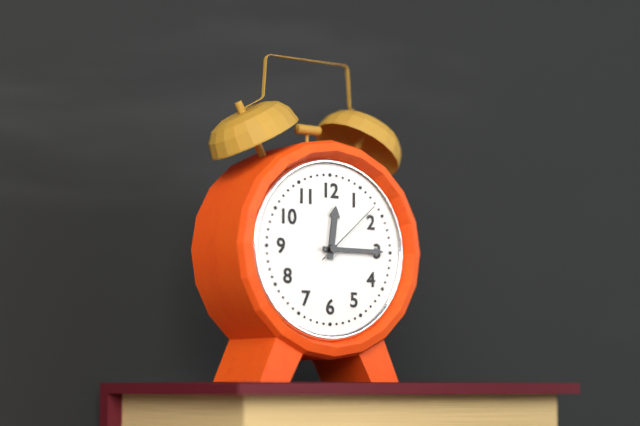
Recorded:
12,15,08
